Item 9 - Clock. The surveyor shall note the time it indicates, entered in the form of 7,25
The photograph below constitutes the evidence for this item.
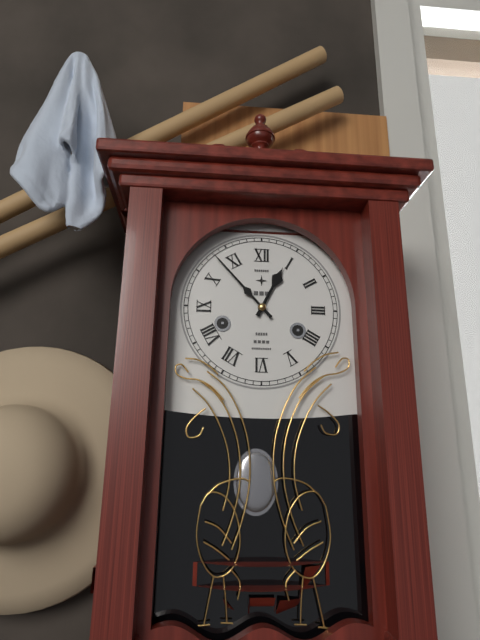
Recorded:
12,53
